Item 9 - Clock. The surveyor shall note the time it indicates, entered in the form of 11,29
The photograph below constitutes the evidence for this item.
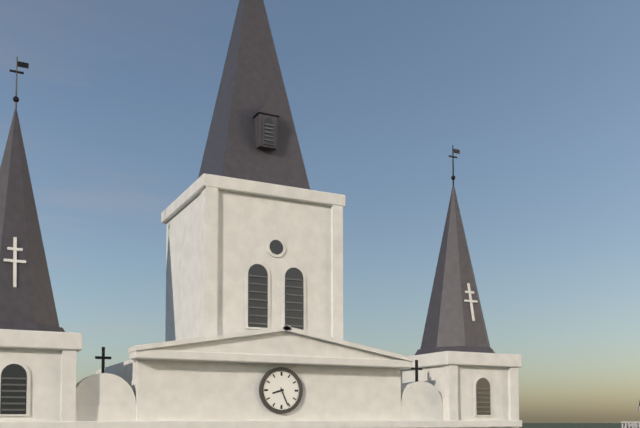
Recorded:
8,26
